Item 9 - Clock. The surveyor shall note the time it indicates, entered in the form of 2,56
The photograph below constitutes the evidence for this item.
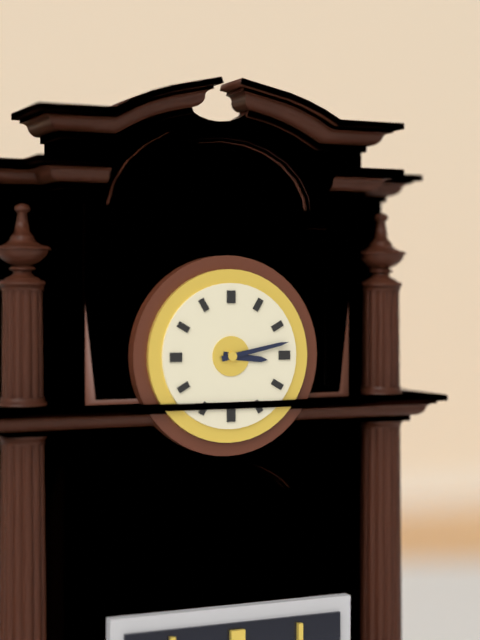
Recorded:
3,13
